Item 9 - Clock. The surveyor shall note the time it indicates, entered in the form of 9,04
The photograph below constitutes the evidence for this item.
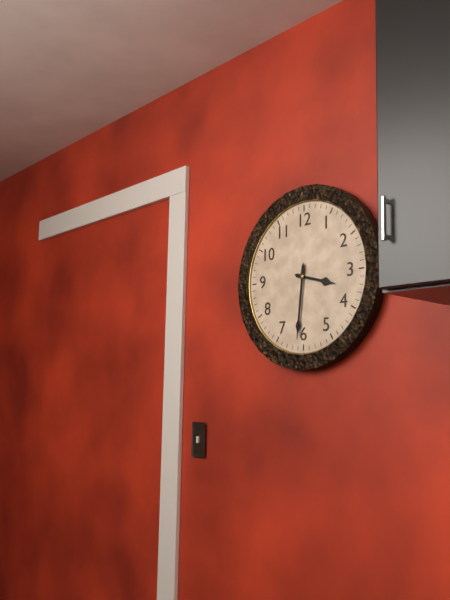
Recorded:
3,31
